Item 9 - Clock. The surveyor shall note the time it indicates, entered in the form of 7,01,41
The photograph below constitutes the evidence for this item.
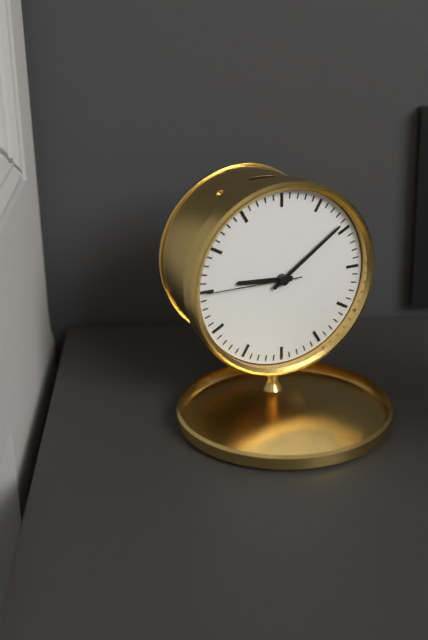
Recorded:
9,09,45
